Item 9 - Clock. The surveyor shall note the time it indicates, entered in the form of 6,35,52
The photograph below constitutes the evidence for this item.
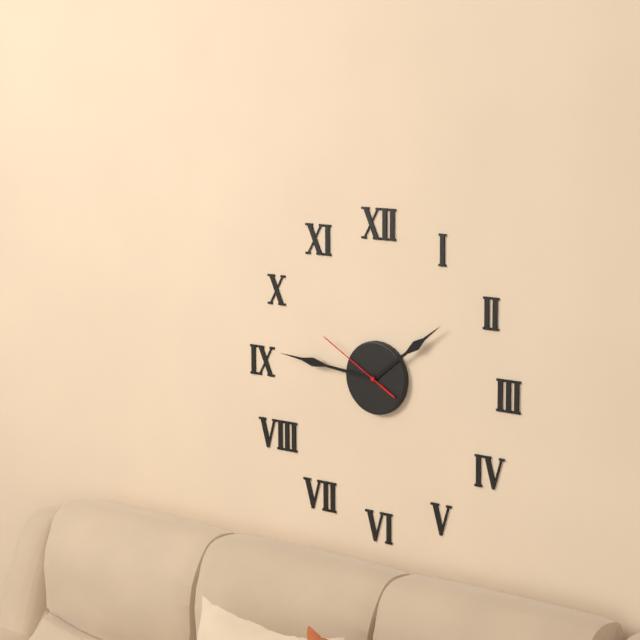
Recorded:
1,46,50
